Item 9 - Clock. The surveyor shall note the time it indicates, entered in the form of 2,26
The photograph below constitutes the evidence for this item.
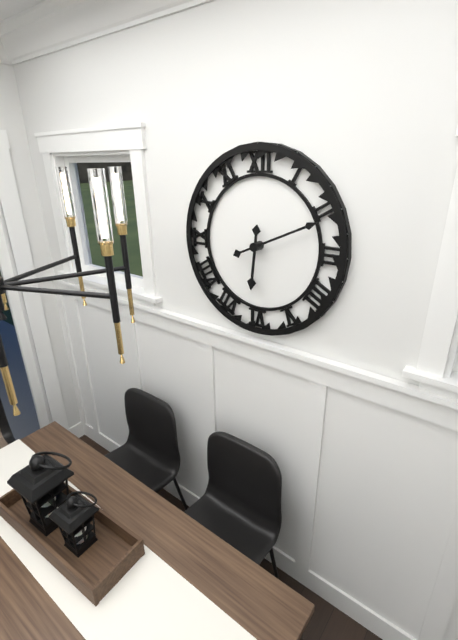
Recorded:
6,11
